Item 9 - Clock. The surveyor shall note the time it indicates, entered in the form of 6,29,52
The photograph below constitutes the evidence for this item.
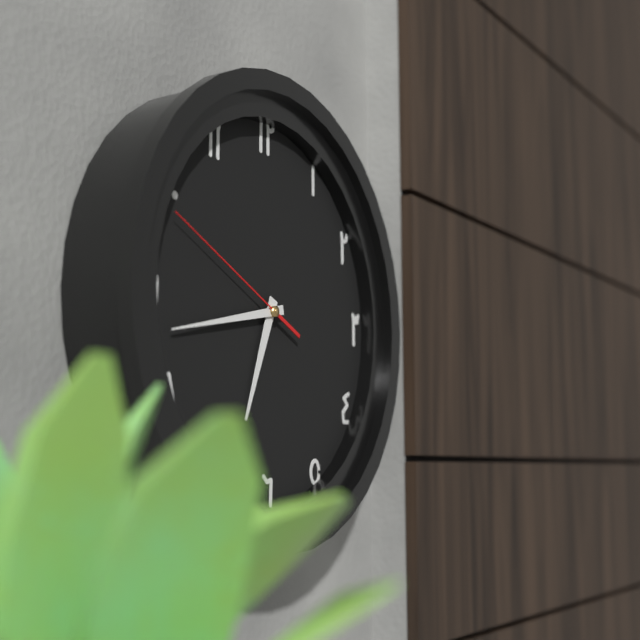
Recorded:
6,43,49
